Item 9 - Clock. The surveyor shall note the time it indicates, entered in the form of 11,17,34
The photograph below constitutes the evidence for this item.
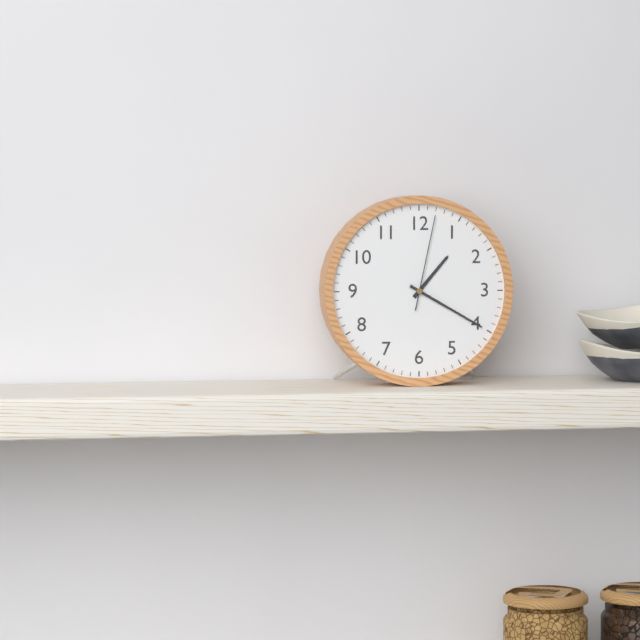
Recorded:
1,20,02
